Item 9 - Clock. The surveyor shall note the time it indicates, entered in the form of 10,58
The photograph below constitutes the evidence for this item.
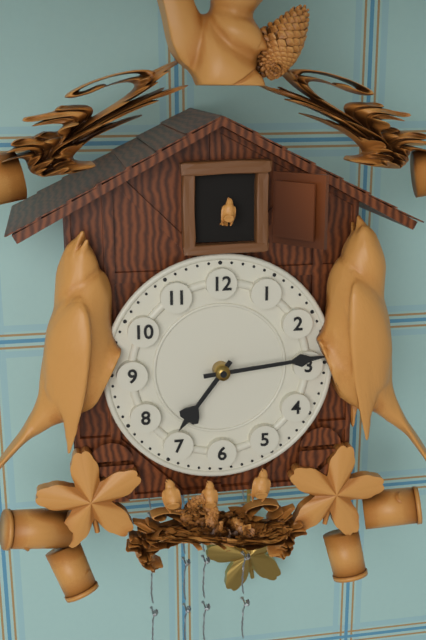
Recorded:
7,14
